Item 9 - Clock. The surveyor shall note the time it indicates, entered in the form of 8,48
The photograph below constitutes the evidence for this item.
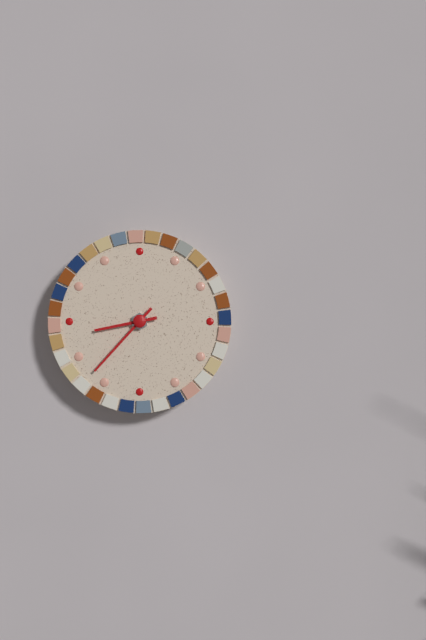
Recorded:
8,37
